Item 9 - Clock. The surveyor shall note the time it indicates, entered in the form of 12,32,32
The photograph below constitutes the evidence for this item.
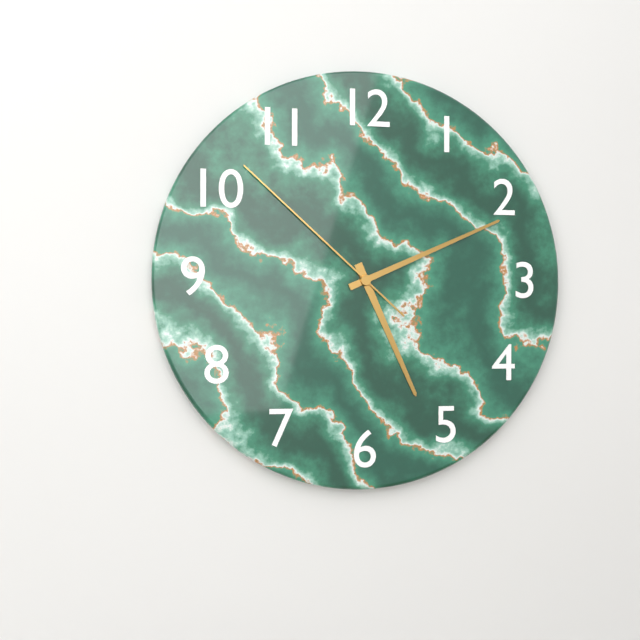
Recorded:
5,11,52
